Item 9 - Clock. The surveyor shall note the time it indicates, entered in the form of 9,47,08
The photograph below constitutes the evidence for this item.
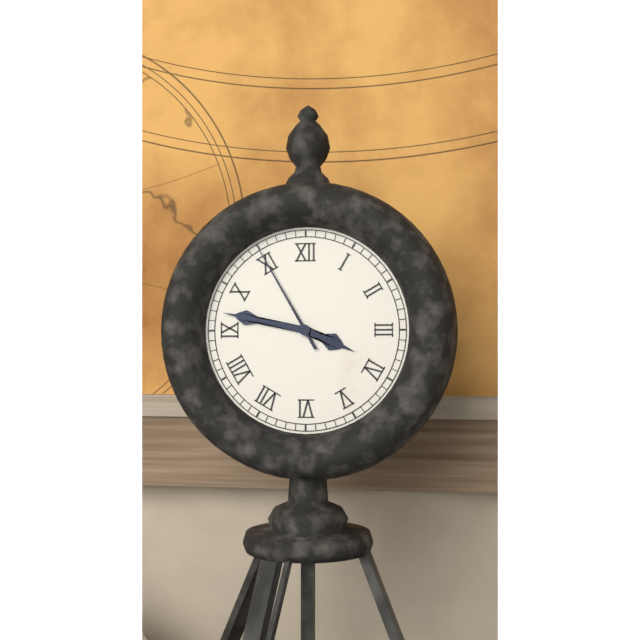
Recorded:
3,47,55
